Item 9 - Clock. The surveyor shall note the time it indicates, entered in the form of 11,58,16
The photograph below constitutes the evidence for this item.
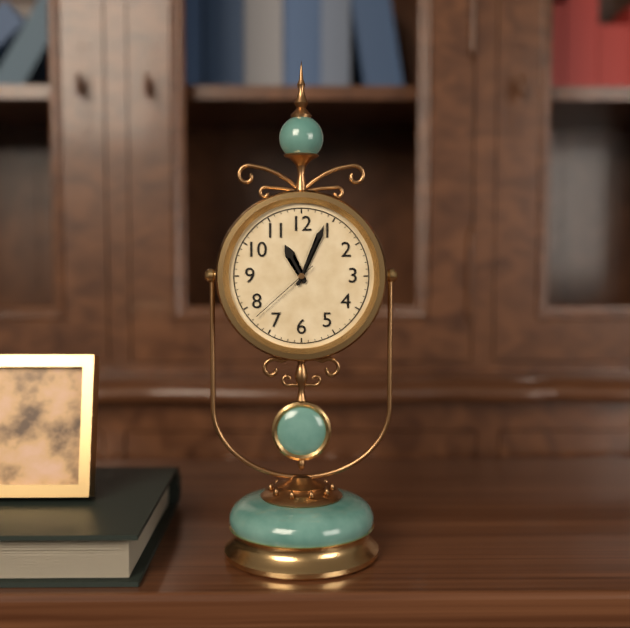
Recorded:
11,04,38
